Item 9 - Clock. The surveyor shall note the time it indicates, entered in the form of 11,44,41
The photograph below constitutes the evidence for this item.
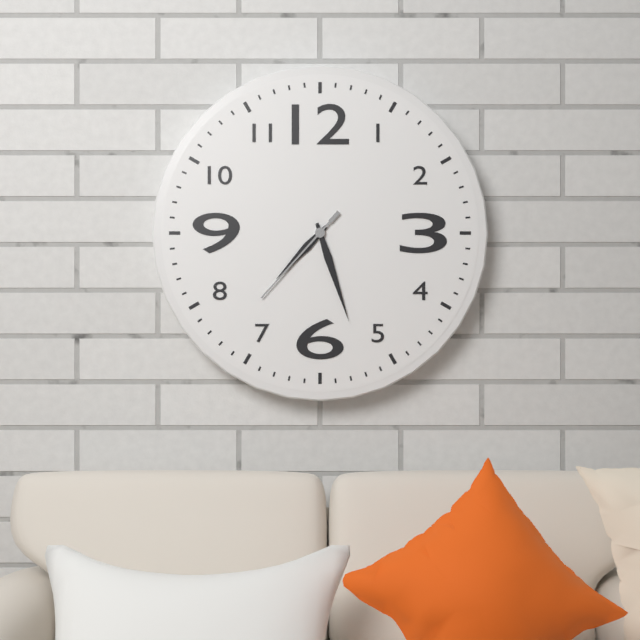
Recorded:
7,27,37
